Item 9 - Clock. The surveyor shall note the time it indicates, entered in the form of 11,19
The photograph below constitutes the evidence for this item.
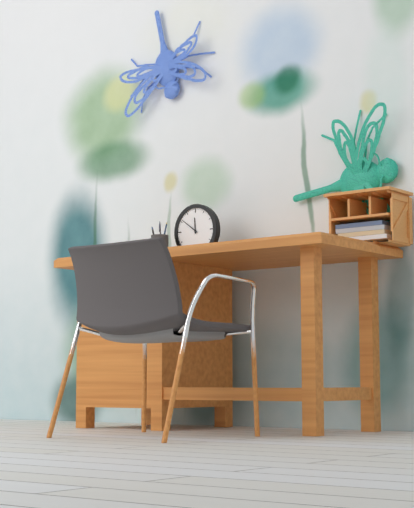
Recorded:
11,51
